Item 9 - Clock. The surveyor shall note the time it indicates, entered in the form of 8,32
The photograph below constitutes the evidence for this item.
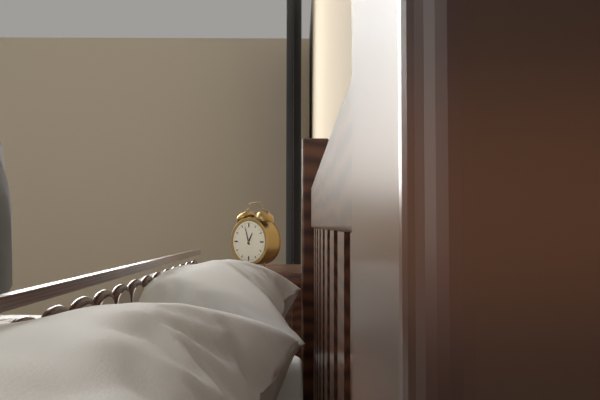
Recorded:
12,57
